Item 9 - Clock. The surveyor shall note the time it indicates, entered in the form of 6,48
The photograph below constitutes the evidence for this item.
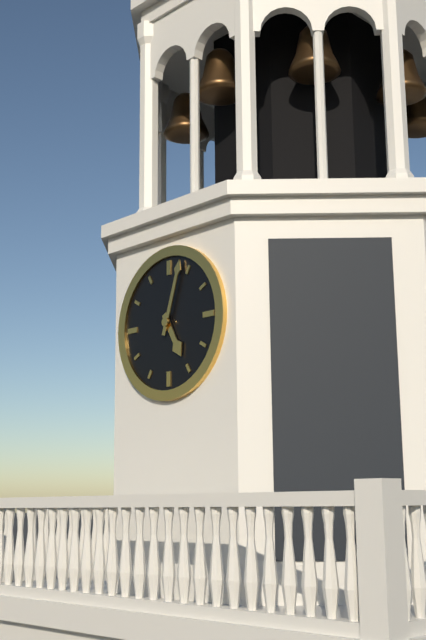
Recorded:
5,03
